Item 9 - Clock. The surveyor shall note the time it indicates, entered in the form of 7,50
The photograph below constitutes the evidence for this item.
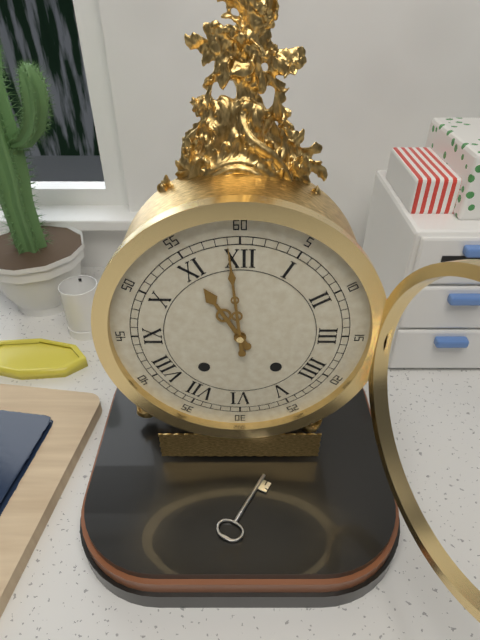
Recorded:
10,59
